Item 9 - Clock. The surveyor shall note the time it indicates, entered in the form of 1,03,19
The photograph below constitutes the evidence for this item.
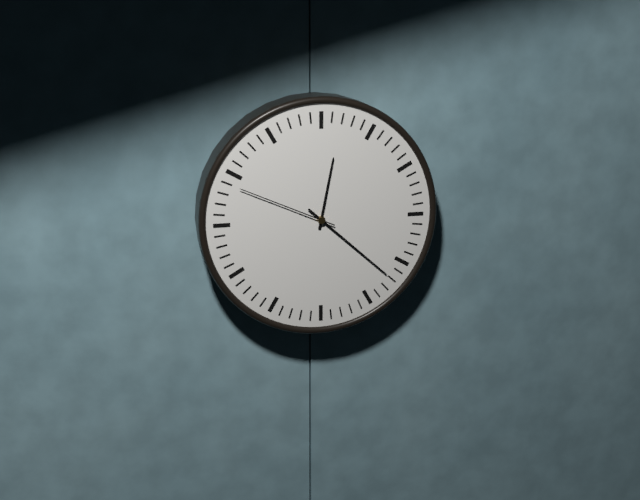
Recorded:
12,22,49
